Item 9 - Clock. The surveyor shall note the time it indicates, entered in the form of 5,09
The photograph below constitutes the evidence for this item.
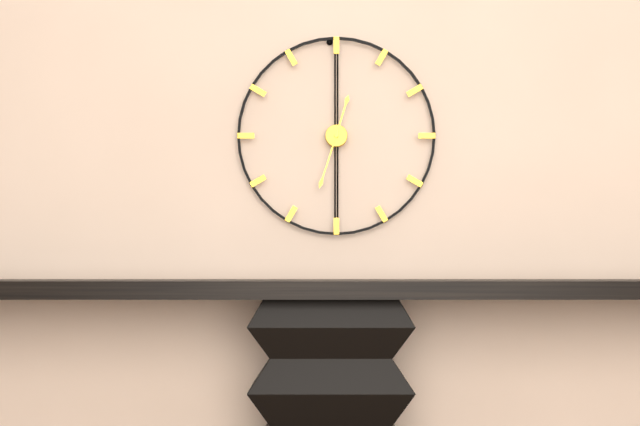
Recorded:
12,33
